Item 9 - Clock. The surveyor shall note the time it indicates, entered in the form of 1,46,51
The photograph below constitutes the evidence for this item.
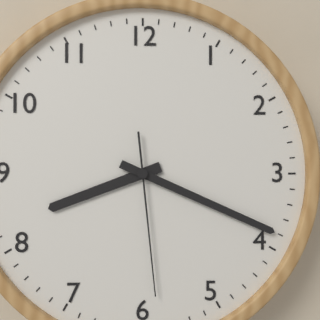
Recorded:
8,19,29
